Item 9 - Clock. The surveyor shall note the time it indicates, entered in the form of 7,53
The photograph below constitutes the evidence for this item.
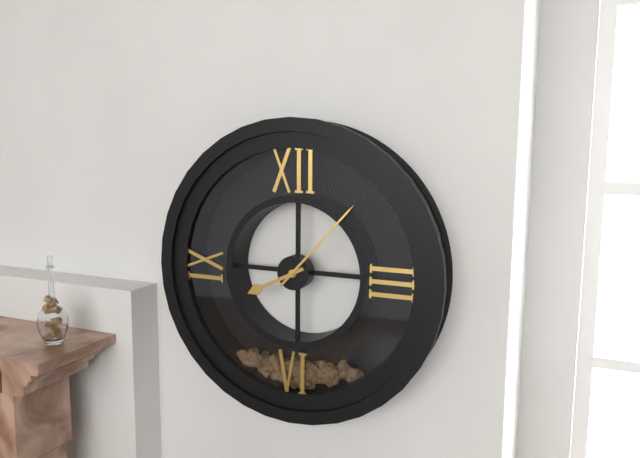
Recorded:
8,07
